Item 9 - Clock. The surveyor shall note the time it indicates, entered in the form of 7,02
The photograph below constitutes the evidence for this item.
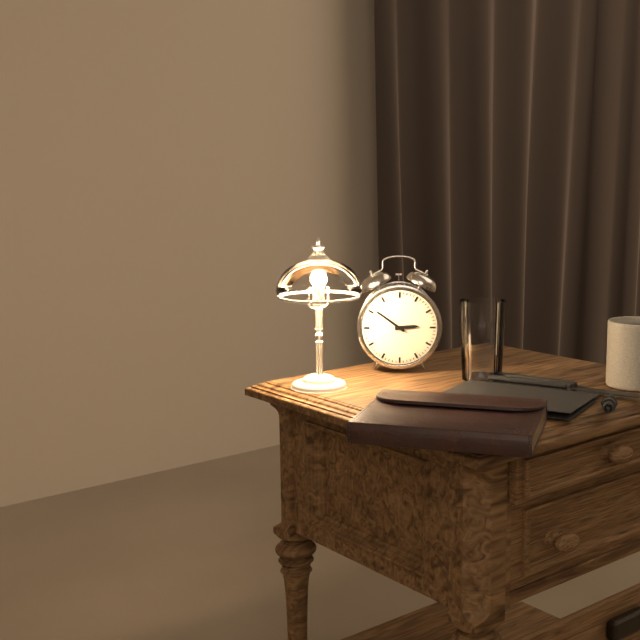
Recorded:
2,51
